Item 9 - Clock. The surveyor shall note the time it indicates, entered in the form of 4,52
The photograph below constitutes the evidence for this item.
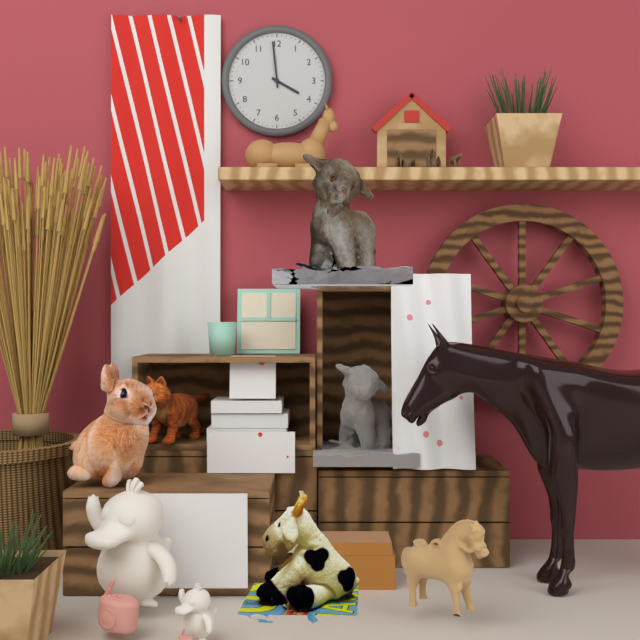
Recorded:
3,59
